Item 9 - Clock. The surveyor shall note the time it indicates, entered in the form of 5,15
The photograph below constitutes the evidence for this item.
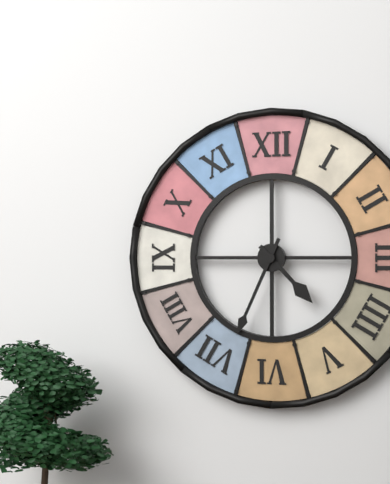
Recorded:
4,34
